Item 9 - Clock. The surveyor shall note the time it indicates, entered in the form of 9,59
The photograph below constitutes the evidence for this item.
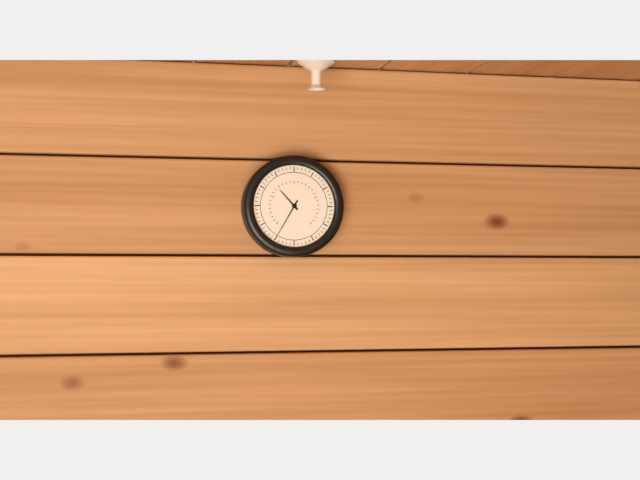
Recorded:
10,35
